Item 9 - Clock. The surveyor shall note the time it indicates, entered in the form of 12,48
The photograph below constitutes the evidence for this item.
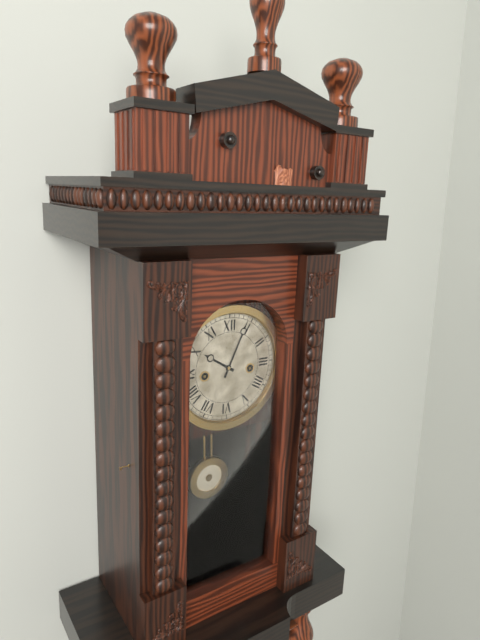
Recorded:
10,04
